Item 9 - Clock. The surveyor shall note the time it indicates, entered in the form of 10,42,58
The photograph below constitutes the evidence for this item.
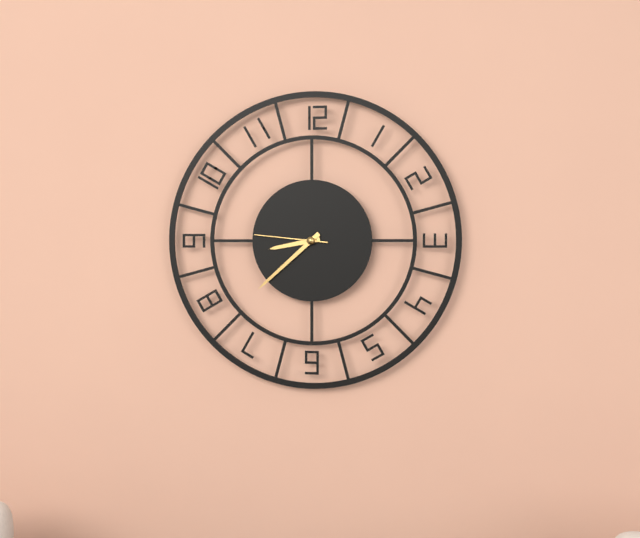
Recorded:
8,38,46
